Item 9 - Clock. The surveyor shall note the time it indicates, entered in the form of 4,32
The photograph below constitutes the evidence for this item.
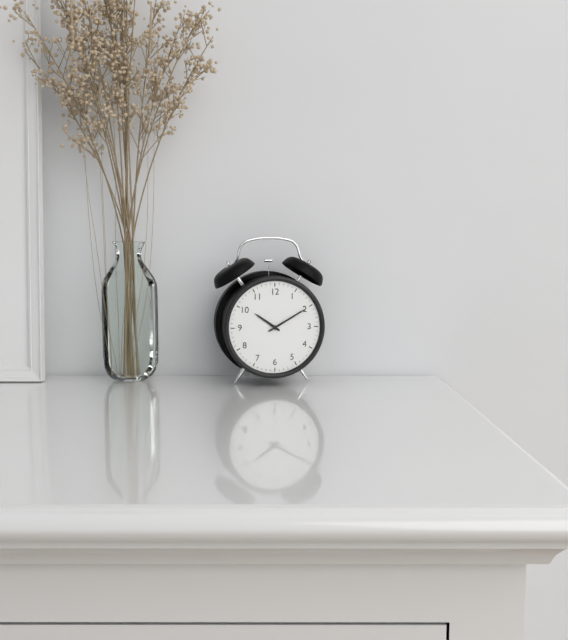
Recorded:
10,10
